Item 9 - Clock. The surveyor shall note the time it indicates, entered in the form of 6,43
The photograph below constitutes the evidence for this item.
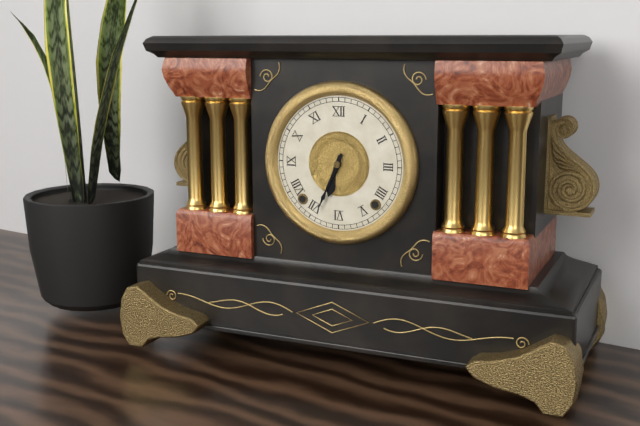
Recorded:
6,34
